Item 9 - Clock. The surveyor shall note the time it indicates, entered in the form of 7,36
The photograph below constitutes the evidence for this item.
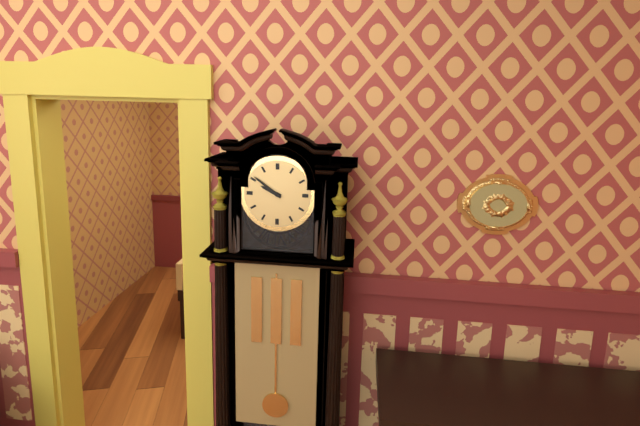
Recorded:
9,51
